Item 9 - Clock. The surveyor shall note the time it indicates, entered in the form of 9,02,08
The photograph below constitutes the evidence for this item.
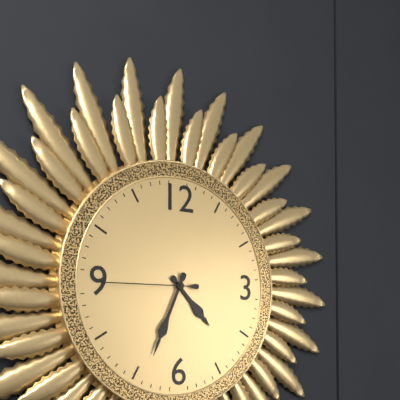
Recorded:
4,34,45
